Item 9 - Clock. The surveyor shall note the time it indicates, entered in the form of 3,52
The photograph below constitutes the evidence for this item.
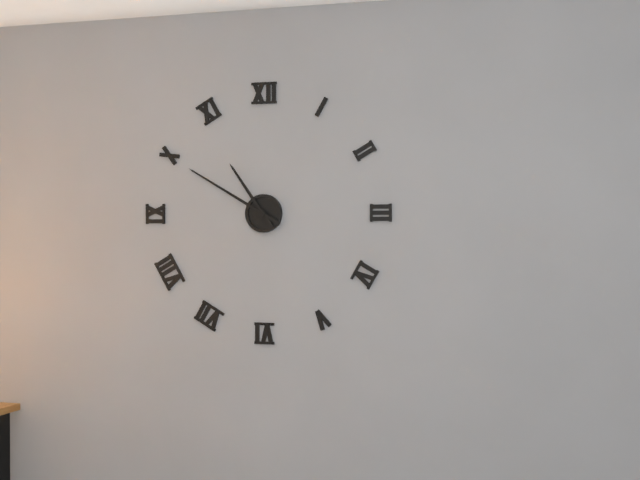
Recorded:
10,50
